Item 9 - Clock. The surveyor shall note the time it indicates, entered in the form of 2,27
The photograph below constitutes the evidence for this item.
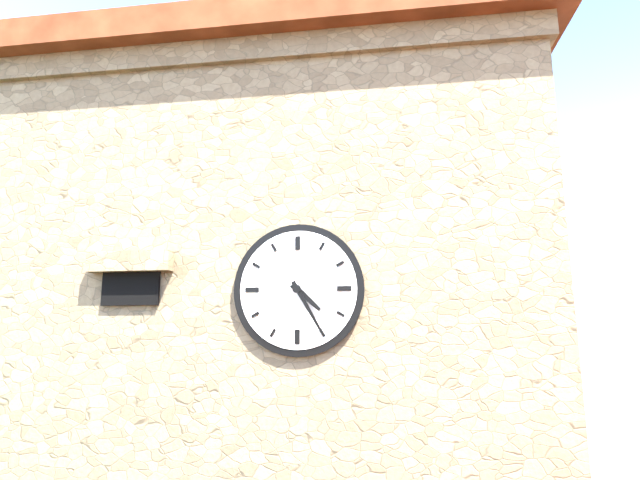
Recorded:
4,25
